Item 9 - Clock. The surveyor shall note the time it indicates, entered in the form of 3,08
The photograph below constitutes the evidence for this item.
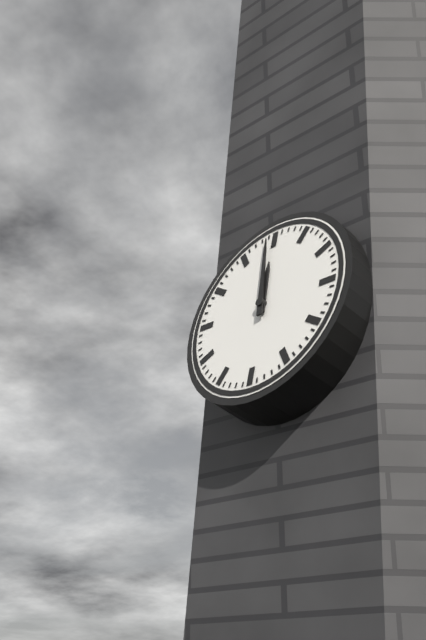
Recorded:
11,59
